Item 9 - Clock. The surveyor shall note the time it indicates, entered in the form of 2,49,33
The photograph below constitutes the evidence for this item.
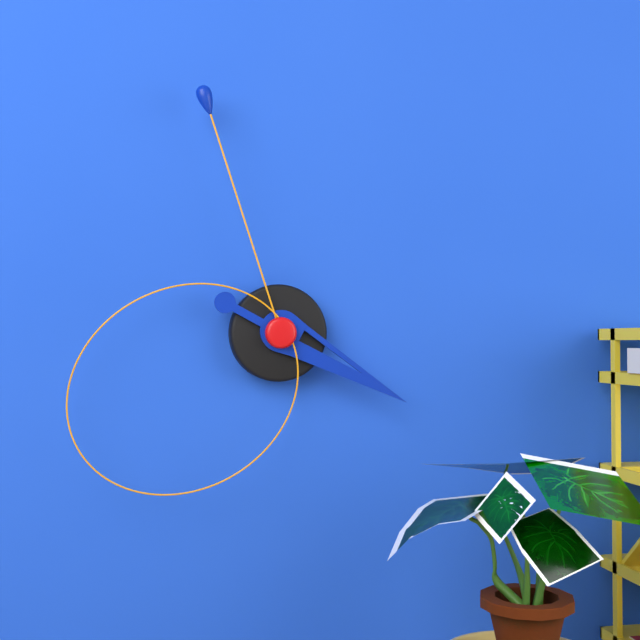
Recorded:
3,57,40
